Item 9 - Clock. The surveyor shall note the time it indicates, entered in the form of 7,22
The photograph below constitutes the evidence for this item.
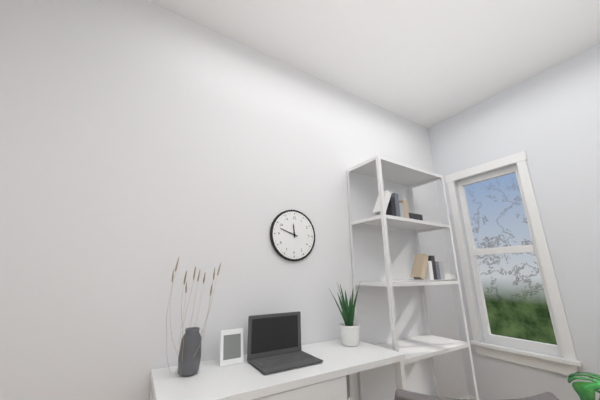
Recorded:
11,48
